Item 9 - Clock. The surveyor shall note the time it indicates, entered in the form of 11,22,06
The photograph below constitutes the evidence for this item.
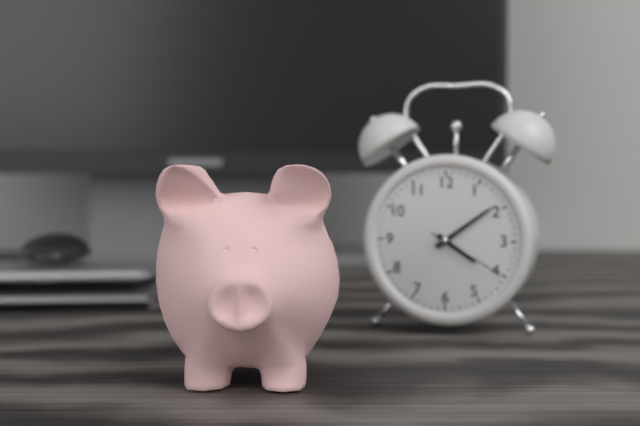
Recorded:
4,09,20
